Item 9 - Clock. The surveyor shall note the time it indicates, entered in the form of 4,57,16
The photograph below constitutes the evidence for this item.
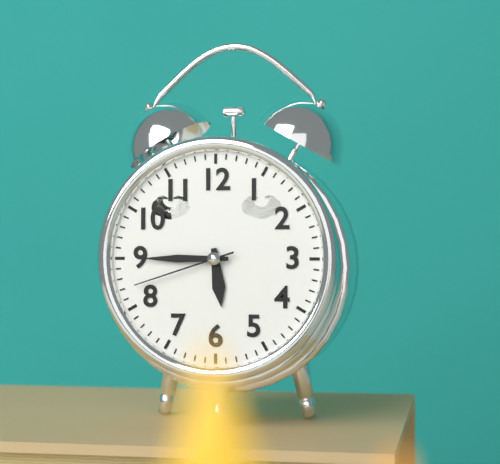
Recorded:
5,45,42
